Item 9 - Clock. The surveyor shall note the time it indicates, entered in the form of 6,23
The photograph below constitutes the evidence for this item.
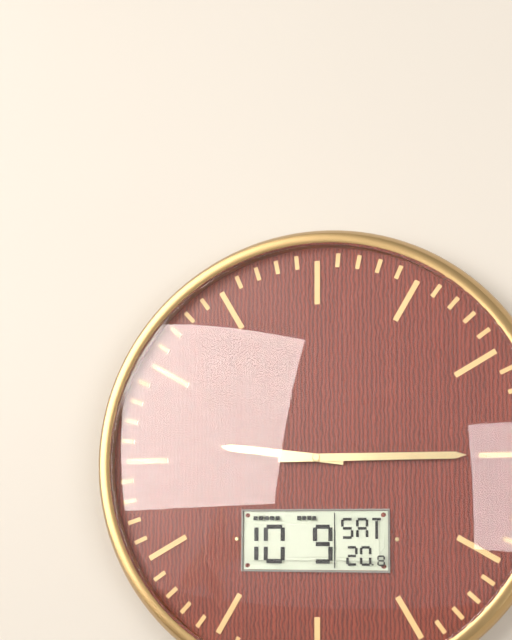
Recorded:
9,15
